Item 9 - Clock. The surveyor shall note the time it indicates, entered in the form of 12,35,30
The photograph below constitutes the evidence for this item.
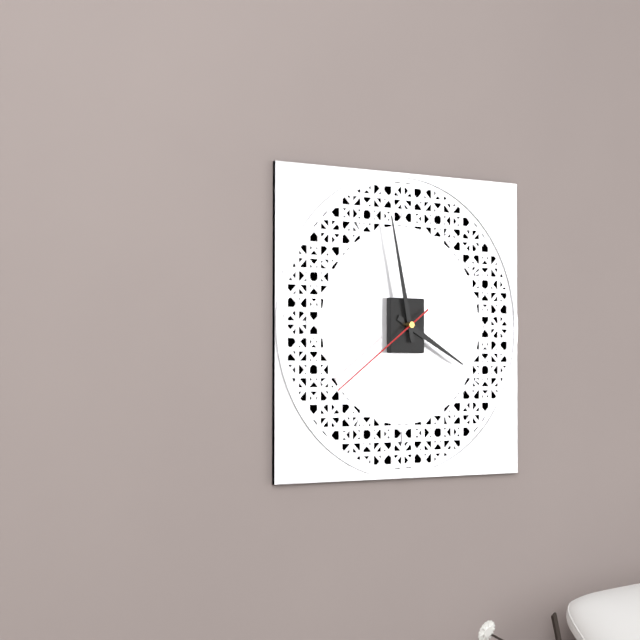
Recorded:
3,58,39
